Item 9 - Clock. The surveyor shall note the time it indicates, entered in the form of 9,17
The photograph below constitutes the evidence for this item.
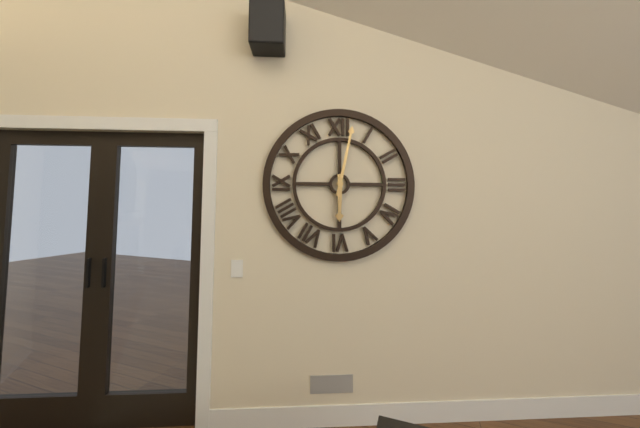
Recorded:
6,02
